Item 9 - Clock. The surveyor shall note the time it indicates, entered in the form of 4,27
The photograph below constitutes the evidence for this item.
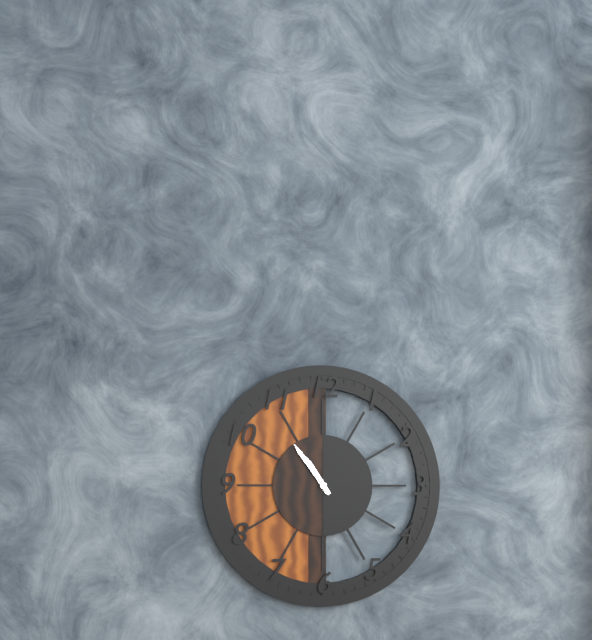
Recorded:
10,54
